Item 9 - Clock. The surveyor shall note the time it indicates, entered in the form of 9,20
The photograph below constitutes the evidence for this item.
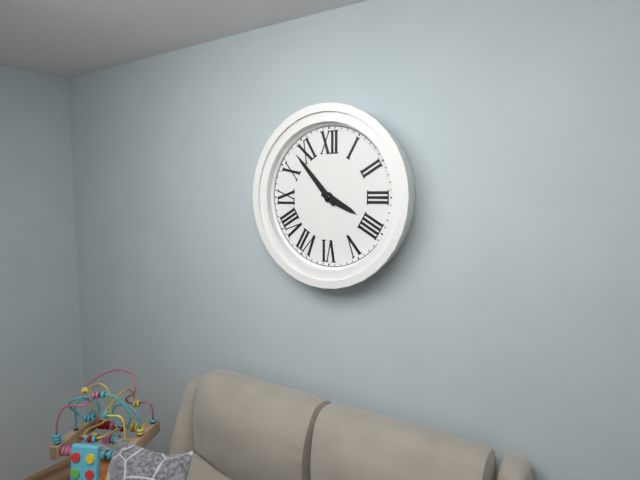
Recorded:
3,53
